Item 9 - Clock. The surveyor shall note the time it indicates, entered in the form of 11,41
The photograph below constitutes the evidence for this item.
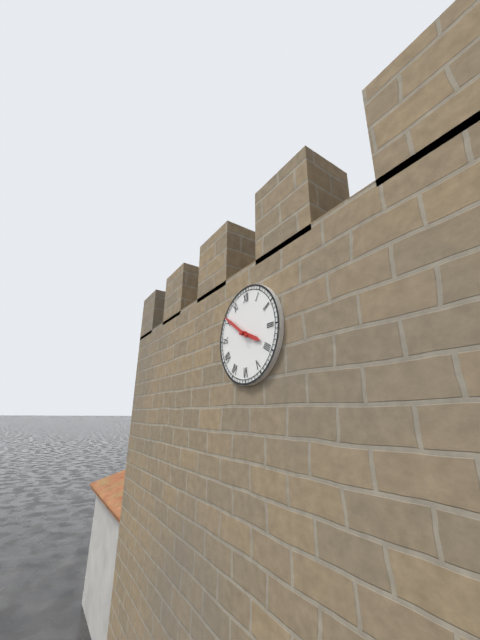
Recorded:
3,51
